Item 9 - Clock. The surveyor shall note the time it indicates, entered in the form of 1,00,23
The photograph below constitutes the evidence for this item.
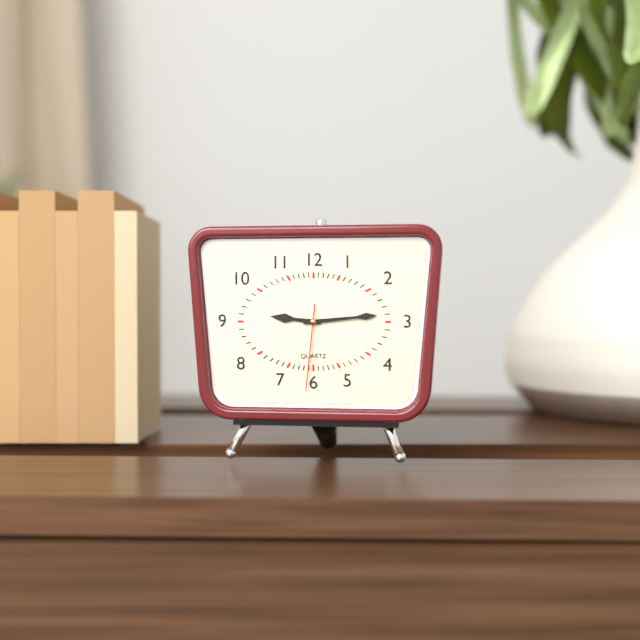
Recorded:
9,14,31
